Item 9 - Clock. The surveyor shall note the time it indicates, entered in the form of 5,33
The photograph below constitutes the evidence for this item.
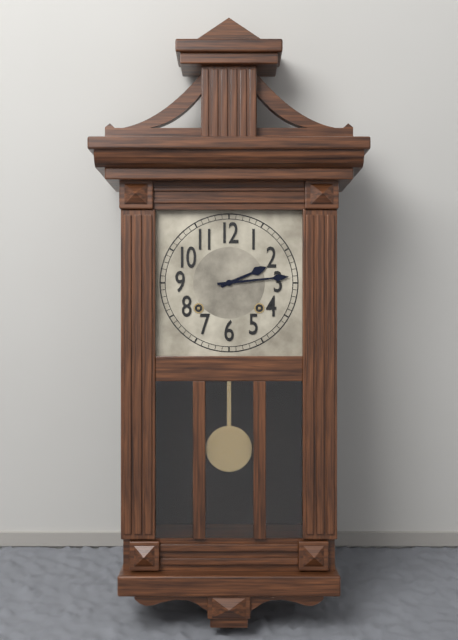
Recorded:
2,14
